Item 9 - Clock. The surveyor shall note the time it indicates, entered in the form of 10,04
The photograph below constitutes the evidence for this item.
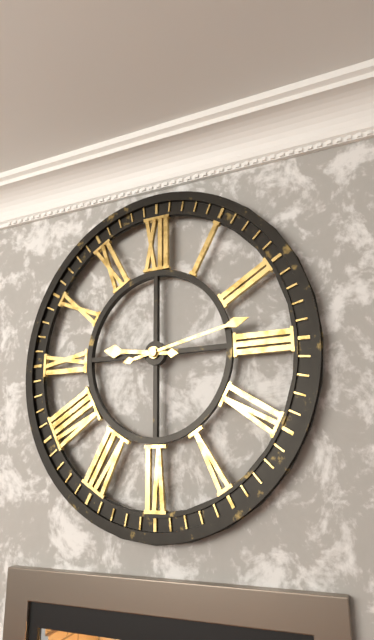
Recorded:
9,13
